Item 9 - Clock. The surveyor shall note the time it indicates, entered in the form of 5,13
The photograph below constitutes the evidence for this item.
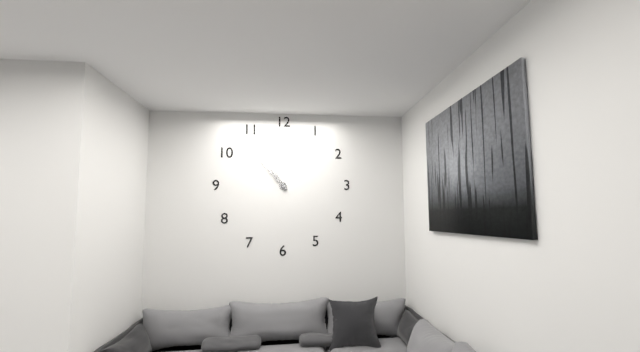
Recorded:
10,53
